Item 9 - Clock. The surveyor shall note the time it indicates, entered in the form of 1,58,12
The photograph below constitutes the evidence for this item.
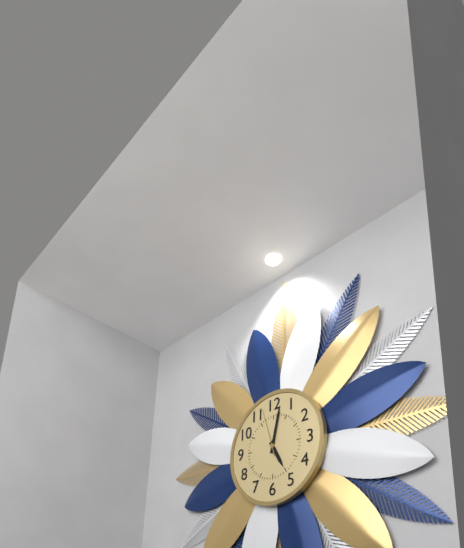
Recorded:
5,02,57
